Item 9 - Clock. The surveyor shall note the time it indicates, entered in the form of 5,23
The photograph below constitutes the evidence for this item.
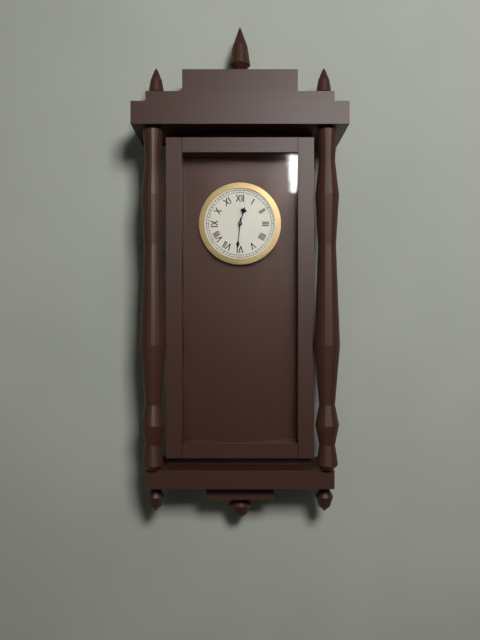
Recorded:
12,31
